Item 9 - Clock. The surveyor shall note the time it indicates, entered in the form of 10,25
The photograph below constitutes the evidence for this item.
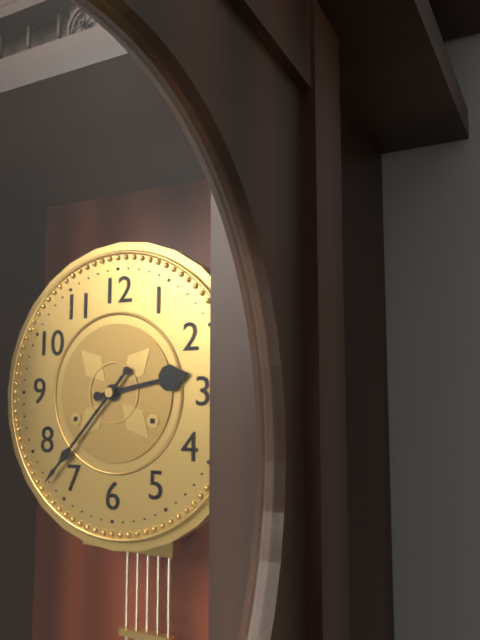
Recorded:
2,37
